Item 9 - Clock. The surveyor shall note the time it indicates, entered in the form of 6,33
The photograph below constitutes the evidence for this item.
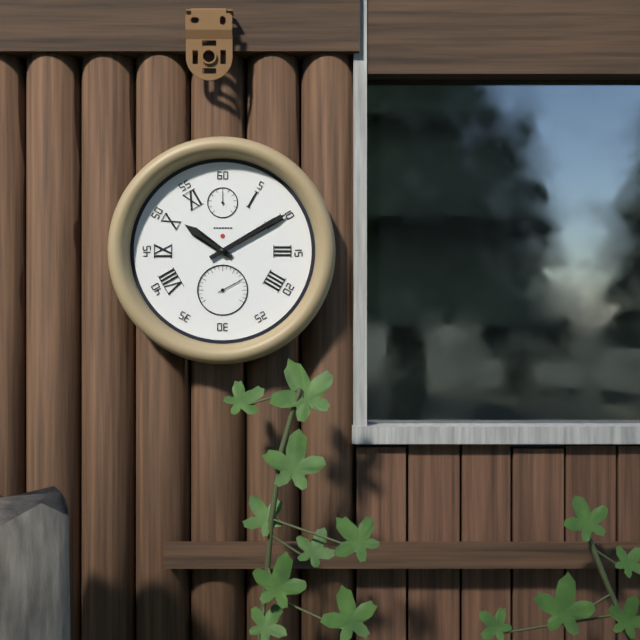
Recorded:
10,10
